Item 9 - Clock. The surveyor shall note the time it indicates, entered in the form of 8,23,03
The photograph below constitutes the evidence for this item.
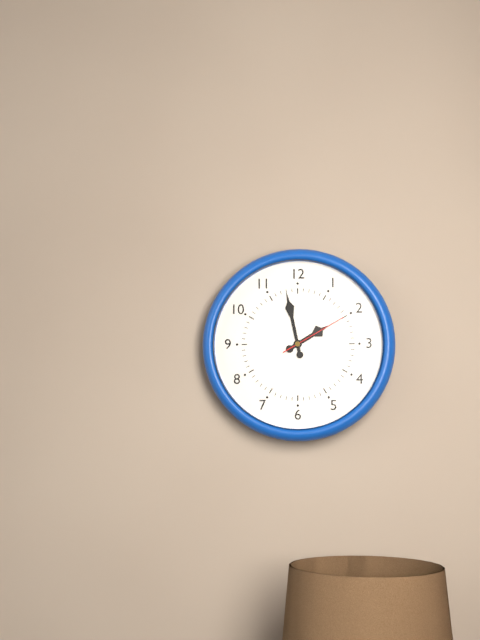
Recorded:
1,58,10
